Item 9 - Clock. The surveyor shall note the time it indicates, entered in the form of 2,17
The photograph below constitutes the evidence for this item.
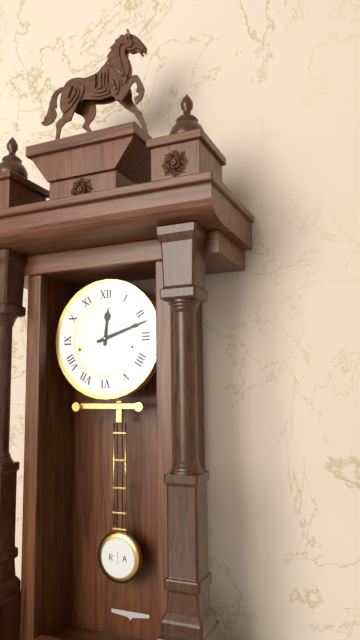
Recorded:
12,12
